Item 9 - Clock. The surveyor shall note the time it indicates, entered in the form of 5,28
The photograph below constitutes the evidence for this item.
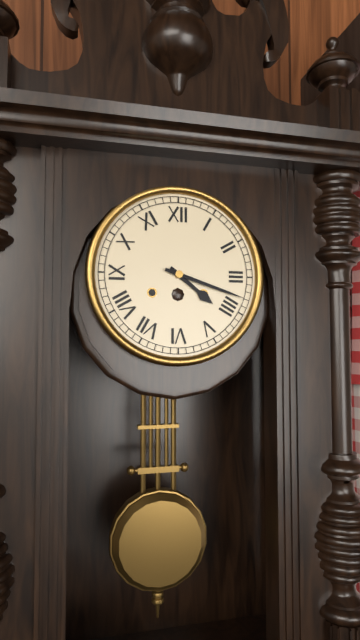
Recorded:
4,18
